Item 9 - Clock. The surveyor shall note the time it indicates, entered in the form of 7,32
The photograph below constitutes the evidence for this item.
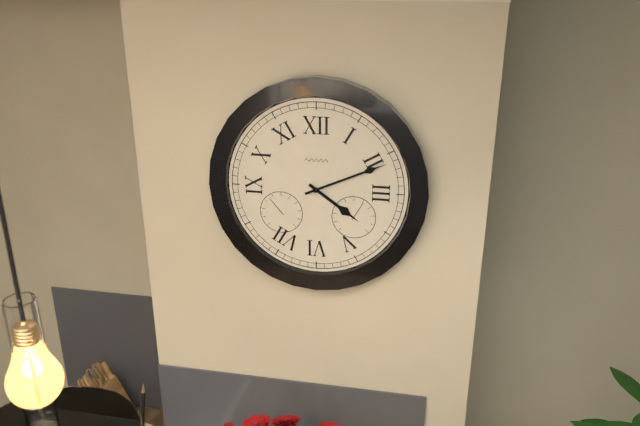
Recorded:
4,11
